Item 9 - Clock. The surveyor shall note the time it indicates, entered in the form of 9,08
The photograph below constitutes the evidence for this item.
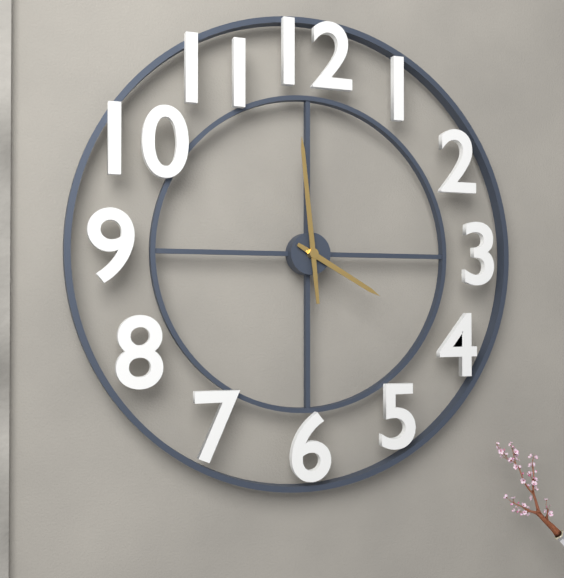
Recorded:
3,59
